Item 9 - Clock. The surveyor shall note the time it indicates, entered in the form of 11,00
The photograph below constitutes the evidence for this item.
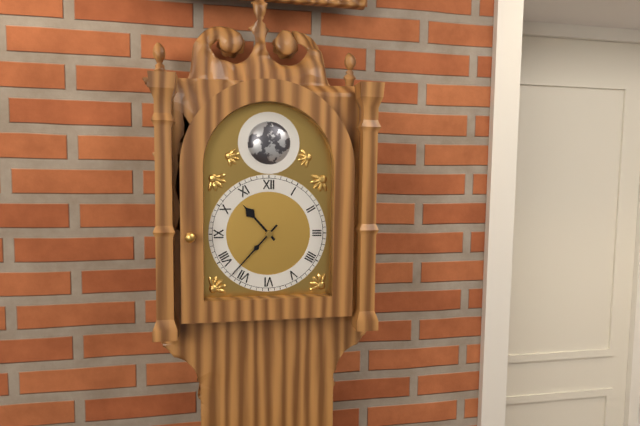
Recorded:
10,37
